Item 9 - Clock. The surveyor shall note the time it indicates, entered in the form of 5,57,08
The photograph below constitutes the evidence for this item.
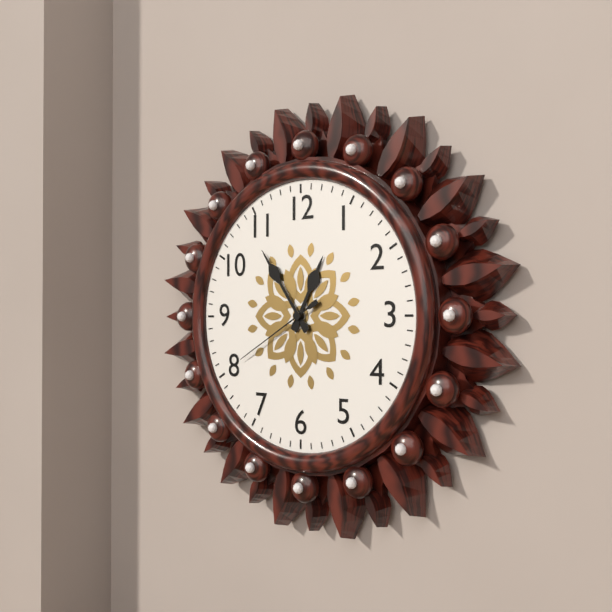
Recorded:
12,54,40
